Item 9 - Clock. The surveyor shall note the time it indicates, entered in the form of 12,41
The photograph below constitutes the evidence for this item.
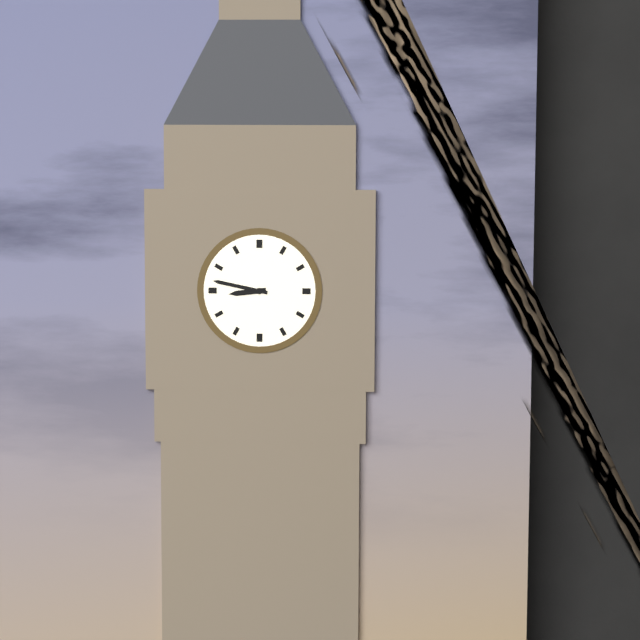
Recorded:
8,47
